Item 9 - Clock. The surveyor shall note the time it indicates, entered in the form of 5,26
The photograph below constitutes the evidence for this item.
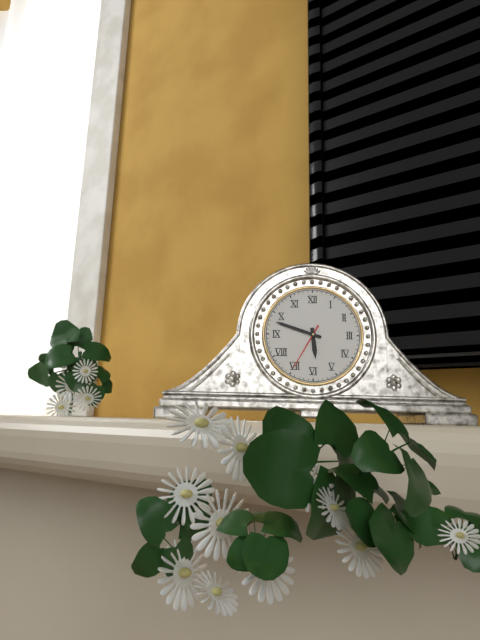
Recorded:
5,48
